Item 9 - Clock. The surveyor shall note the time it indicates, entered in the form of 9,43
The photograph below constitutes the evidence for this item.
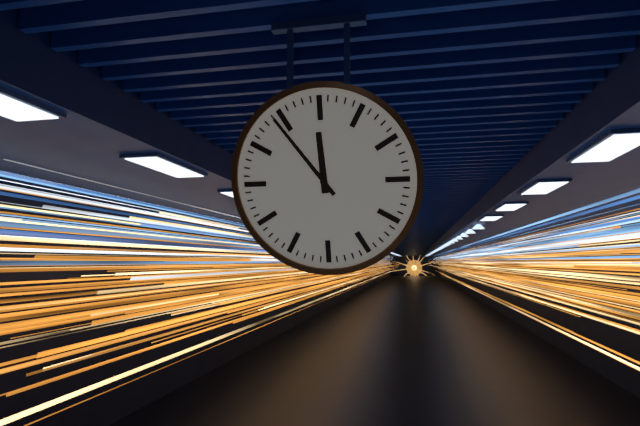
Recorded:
11,54
